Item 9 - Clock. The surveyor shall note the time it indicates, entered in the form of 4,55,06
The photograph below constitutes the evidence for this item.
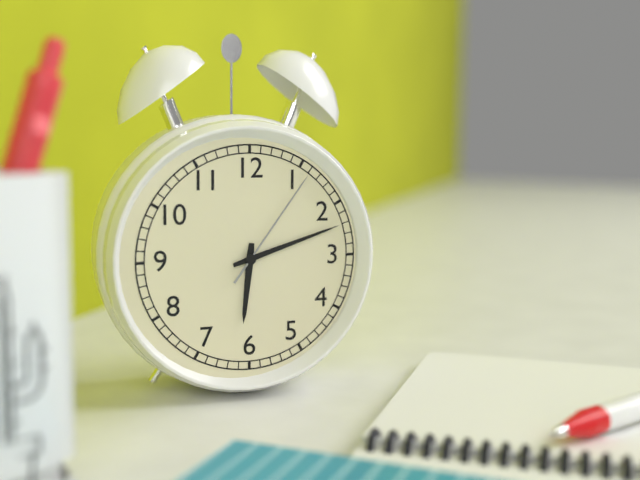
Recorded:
6,12,06
